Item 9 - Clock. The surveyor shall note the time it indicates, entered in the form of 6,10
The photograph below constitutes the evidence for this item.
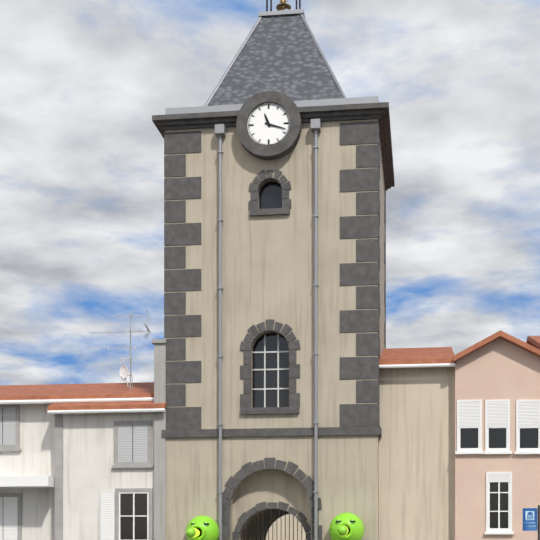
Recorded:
11,18
